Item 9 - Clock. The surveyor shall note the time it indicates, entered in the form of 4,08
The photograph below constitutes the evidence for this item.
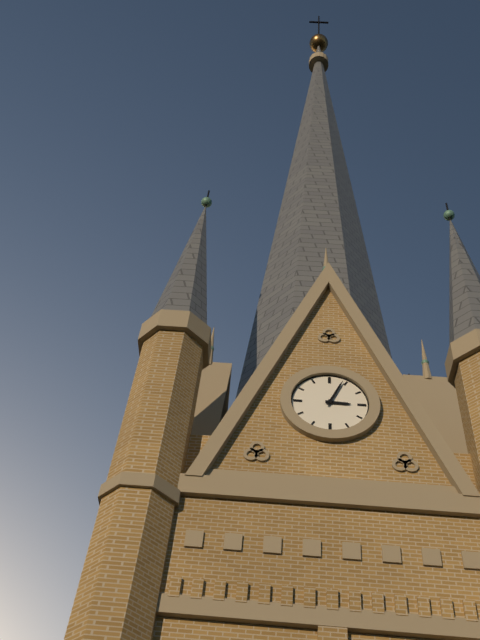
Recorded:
3,04
